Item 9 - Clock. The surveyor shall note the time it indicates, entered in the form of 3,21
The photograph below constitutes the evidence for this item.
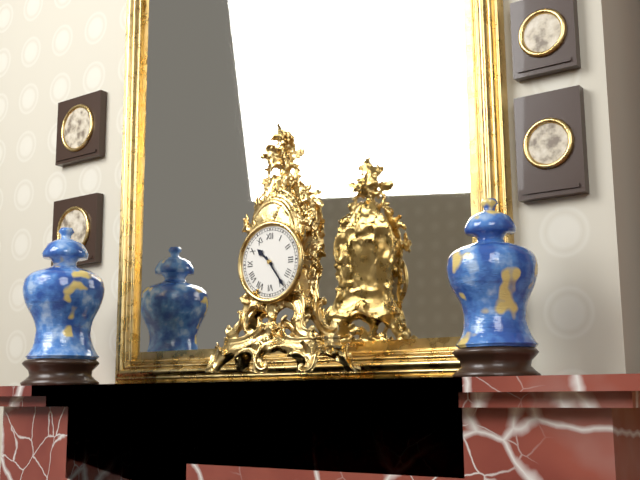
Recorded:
10,24
